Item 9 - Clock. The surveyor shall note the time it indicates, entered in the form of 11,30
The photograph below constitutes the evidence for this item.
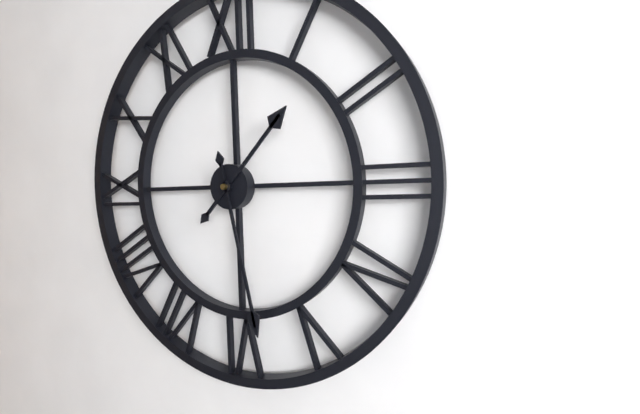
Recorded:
1,28
